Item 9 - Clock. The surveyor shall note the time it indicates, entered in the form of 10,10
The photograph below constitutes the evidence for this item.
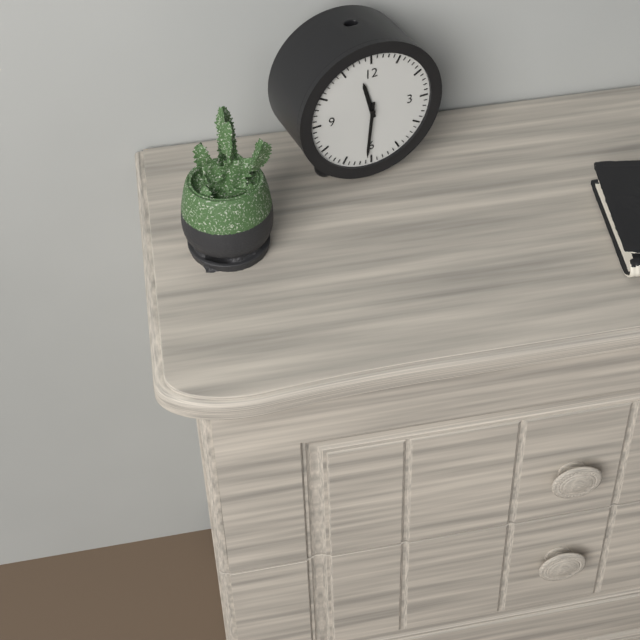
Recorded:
11,31
